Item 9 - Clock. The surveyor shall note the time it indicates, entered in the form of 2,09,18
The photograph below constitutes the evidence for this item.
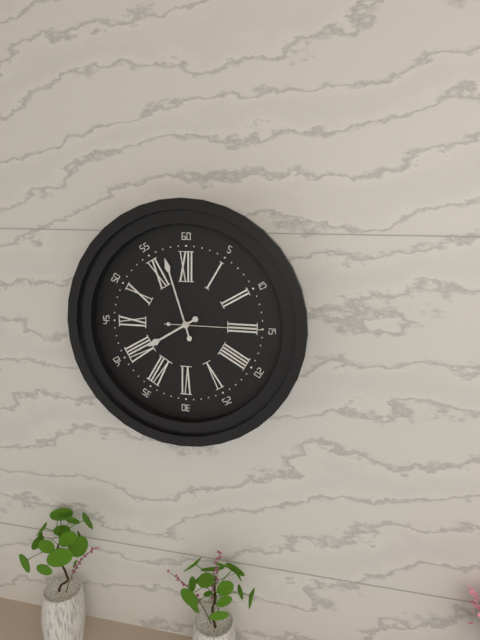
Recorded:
7,57,15
